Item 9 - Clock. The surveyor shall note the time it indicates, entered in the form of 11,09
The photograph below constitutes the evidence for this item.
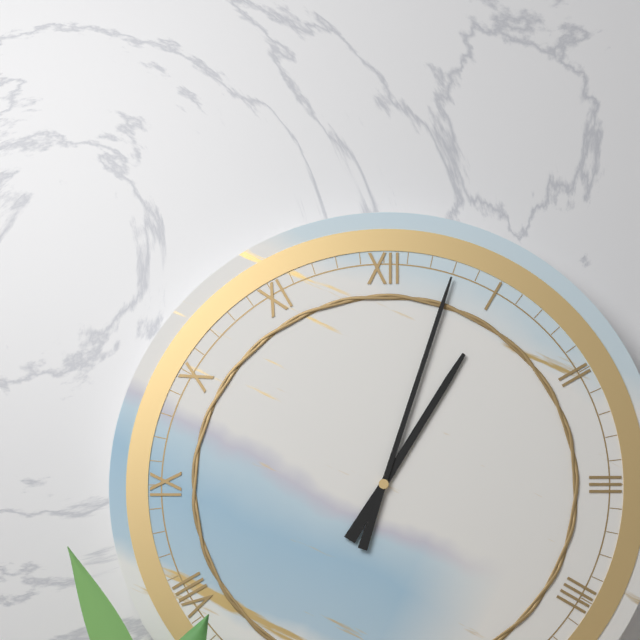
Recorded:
1,03
